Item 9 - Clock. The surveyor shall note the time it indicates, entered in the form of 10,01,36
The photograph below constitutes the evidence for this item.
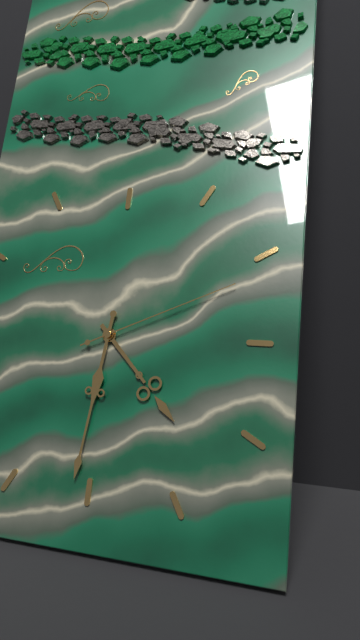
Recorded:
4,31,11
